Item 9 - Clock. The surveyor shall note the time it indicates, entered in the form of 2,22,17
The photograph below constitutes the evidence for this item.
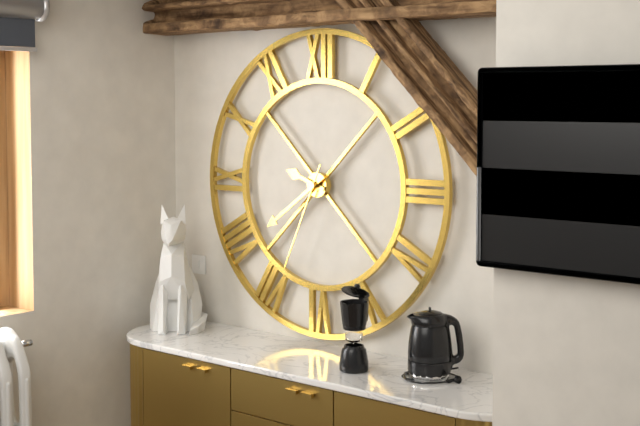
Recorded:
9,39,34
